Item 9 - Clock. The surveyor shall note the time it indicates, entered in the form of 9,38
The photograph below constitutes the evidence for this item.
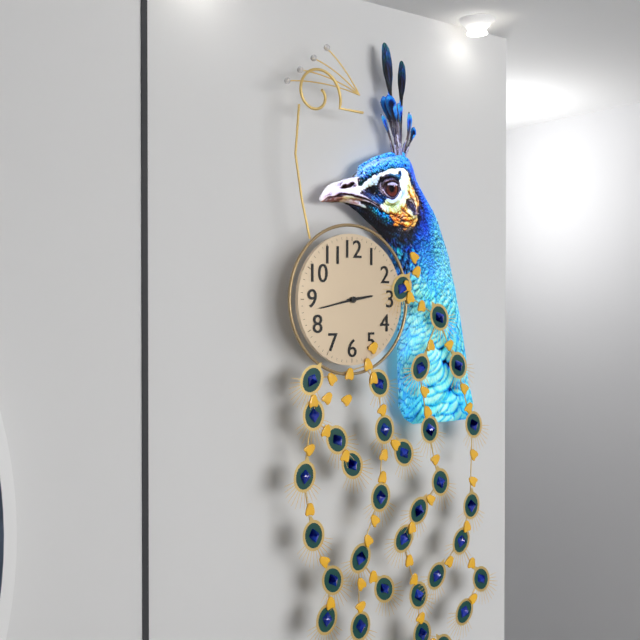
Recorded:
2,43
